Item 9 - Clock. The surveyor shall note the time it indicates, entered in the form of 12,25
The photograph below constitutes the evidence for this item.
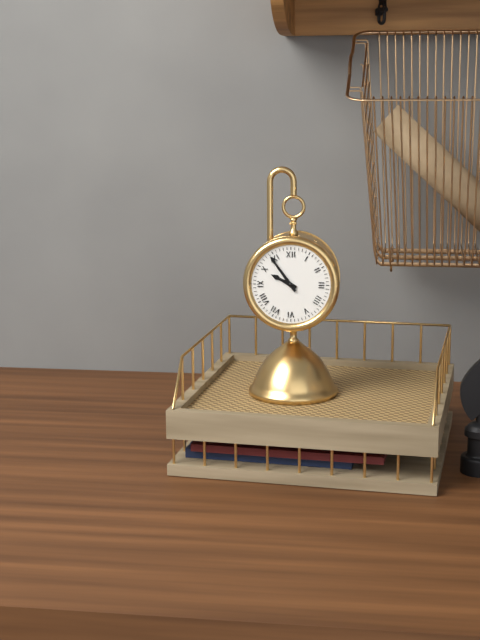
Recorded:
9,54
